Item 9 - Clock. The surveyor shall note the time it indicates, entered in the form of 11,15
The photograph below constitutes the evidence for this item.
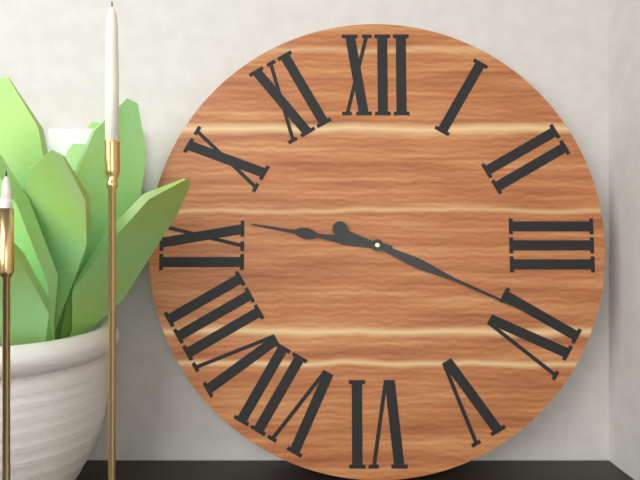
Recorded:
9,19
